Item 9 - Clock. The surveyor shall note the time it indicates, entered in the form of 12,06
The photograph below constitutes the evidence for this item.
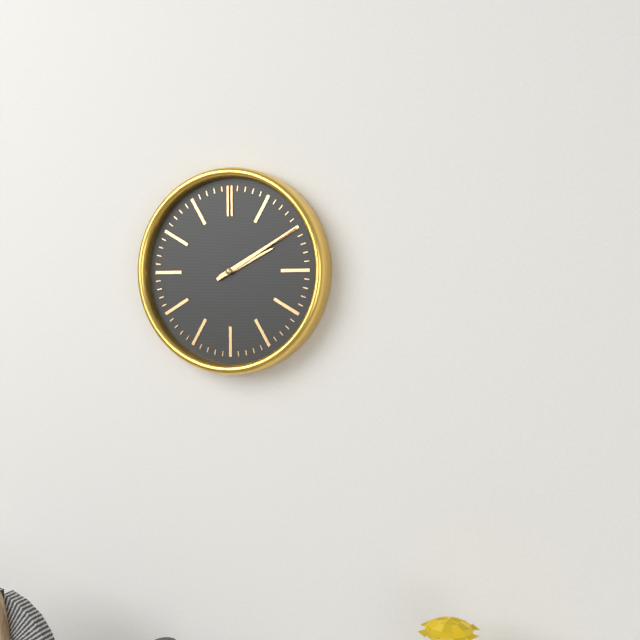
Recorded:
2,10
